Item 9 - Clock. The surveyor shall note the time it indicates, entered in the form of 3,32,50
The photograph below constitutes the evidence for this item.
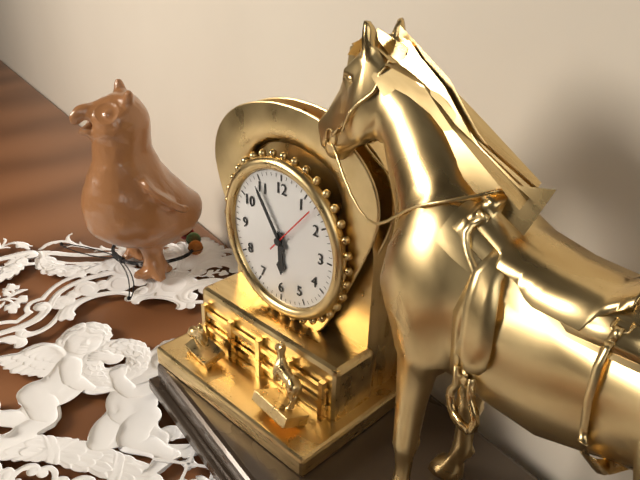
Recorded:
5,54,07
